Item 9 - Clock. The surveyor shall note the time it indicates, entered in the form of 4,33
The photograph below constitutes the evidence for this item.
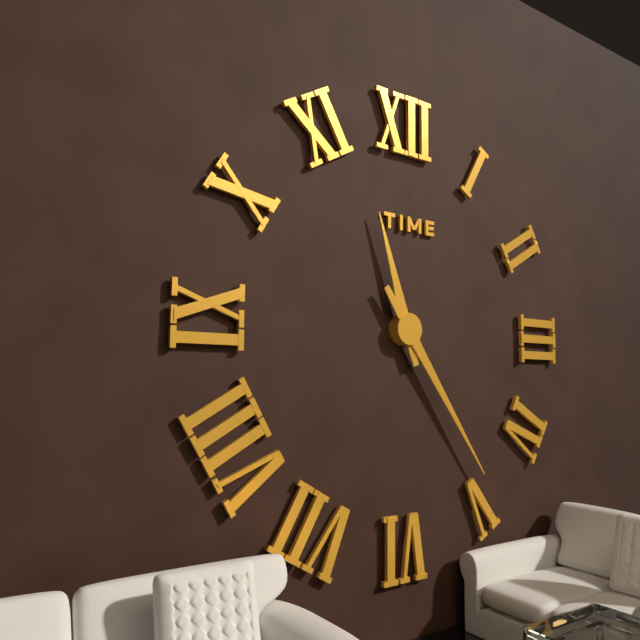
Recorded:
11,24
